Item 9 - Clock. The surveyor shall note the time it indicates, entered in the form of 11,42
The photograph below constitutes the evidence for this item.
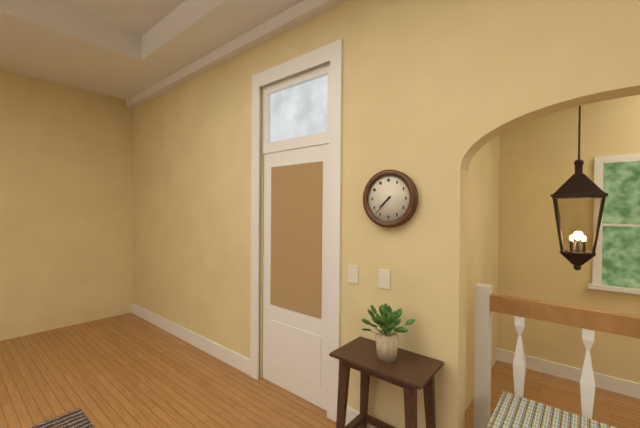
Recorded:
7,37
